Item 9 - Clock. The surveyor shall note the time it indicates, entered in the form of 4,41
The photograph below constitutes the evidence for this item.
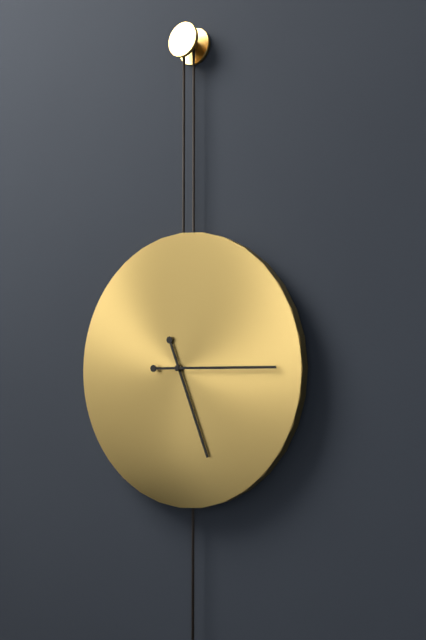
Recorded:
5,15
